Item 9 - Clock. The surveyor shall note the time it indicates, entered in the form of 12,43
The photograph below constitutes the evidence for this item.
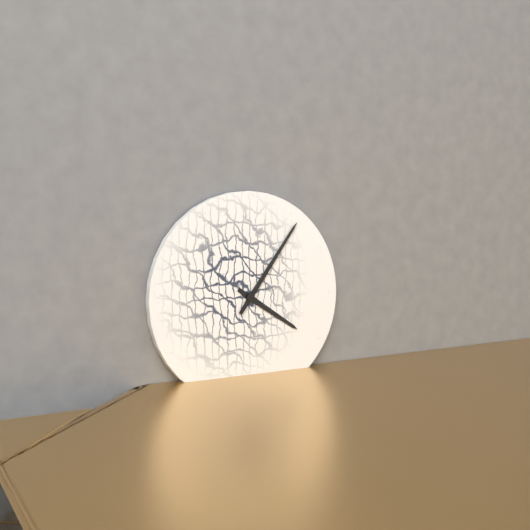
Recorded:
4,06
